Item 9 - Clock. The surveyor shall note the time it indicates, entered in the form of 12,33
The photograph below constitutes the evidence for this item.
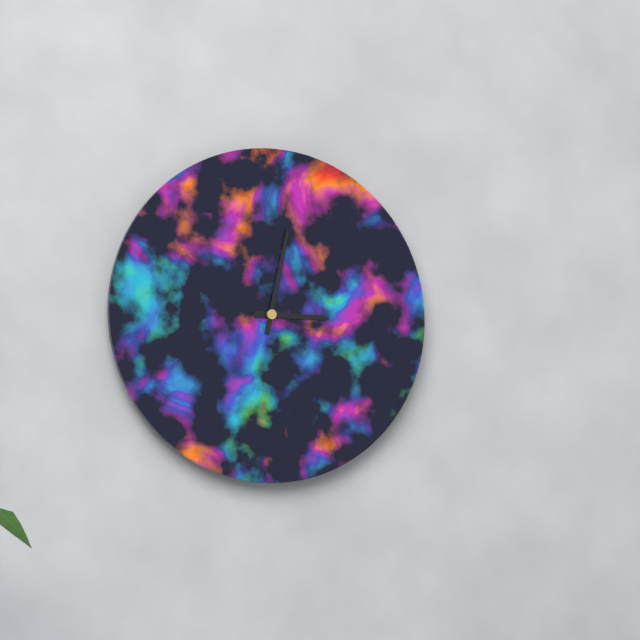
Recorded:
3,02
